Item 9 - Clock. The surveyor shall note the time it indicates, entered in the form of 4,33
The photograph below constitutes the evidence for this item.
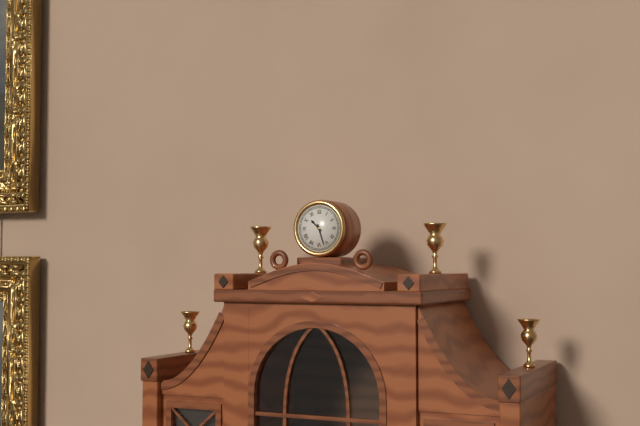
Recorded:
10,27
